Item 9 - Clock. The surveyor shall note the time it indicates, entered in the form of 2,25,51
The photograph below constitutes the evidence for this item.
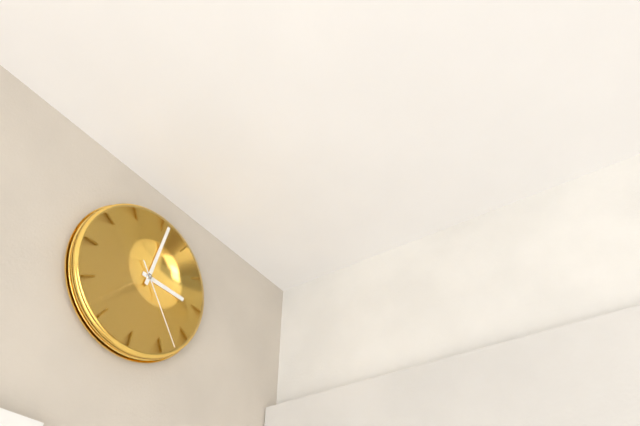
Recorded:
3,01,23
